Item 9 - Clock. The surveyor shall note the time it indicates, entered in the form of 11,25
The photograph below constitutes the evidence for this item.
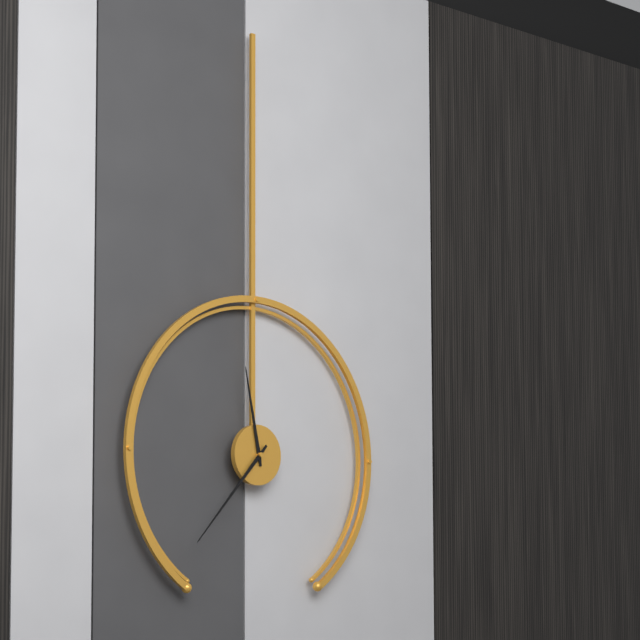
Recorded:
11,37
